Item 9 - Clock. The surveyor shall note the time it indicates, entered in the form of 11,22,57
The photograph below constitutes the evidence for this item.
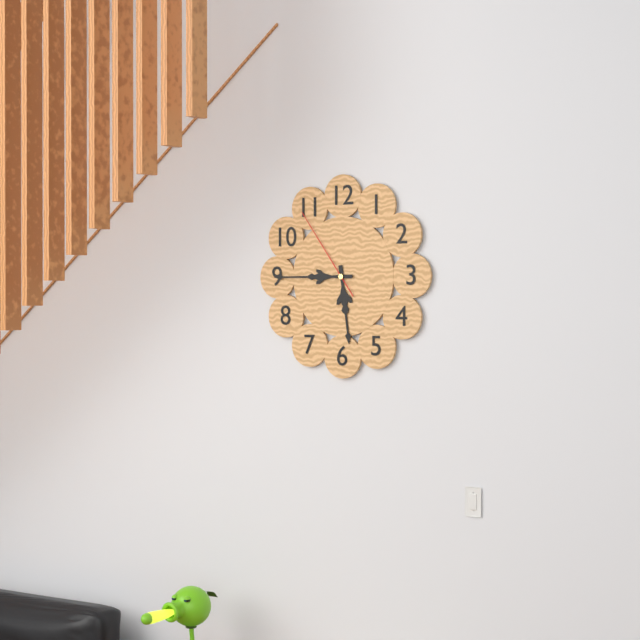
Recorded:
5,45,54
